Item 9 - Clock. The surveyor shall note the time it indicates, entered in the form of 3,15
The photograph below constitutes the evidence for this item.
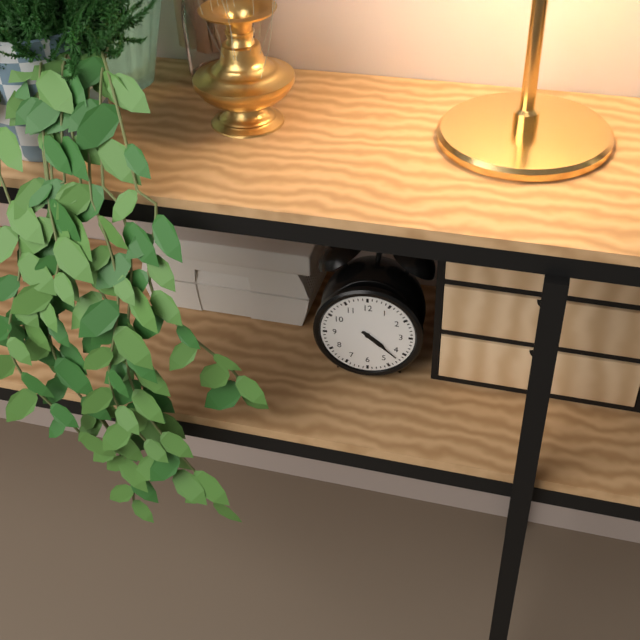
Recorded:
4,22
